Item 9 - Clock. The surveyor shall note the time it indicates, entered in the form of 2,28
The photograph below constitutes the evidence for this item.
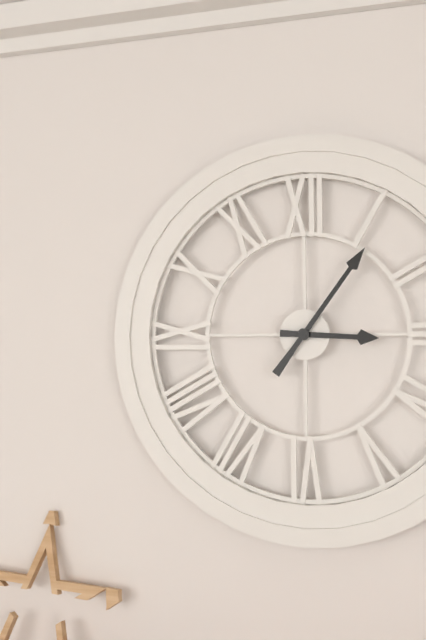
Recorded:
3,06
